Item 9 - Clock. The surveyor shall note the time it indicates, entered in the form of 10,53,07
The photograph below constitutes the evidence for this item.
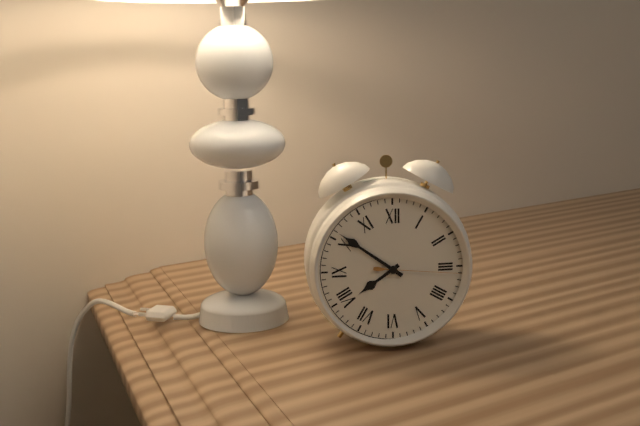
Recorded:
7,51,16
